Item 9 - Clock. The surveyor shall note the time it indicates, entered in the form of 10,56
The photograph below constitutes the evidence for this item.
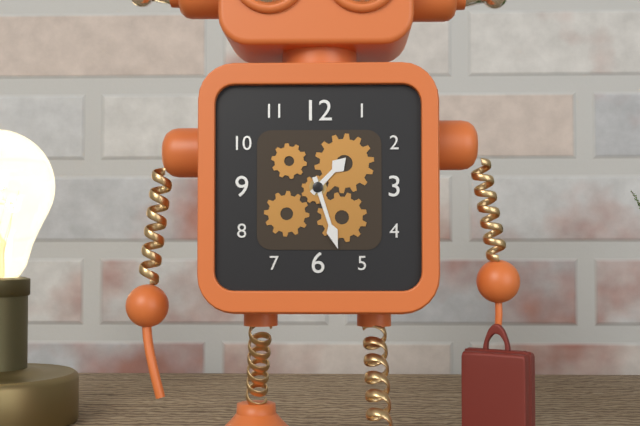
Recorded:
1,27
